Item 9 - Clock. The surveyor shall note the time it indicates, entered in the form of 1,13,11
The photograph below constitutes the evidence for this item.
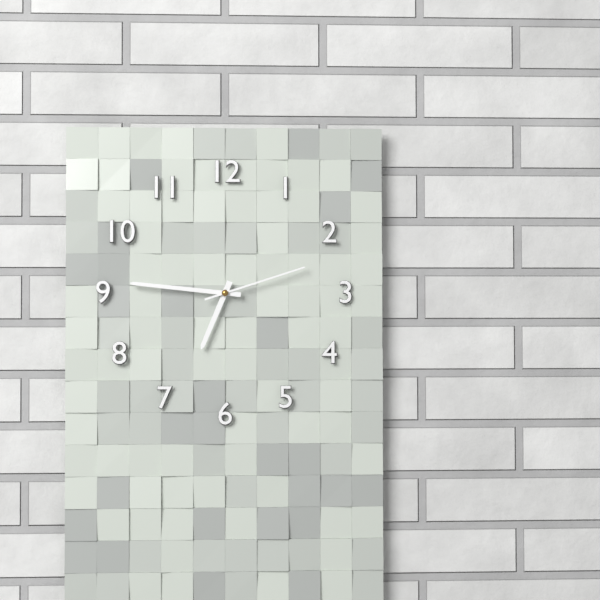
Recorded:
6,46,12
